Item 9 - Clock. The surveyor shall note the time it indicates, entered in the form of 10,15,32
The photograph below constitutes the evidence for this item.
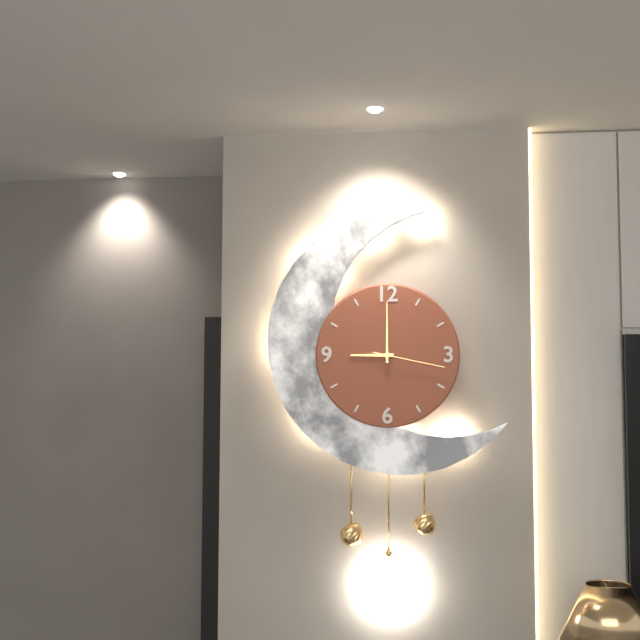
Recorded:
9,00,17
